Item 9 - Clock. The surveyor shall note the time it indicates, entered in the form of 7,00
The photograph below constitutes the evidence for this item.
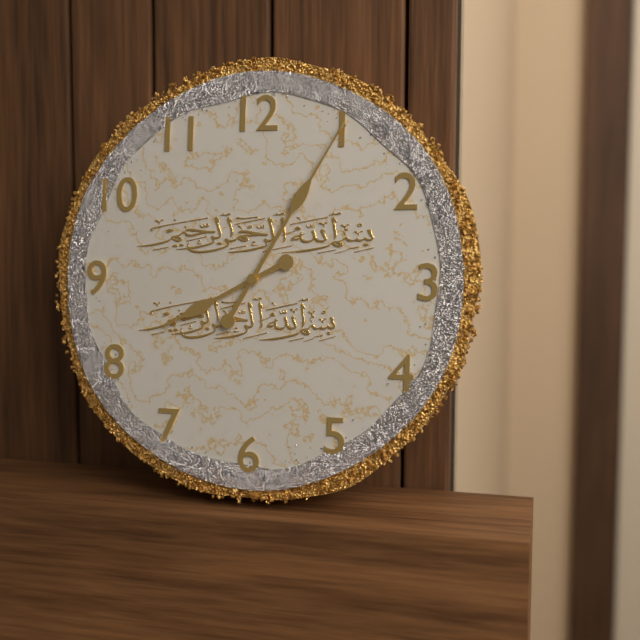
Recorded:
8,05
